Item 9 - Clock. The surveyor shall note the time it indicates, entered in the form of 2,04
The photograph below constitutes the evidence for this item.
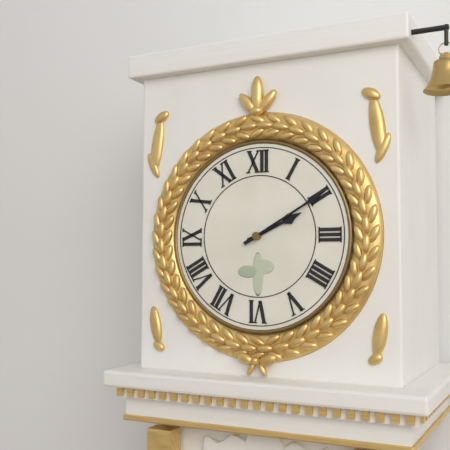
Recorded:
2,10
